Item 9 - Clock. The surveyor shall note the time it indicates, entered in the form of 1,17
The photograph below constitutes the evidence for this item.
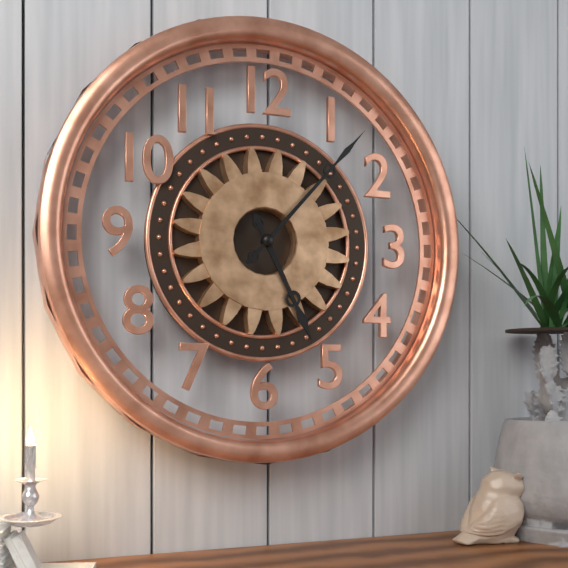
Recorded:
5,07
